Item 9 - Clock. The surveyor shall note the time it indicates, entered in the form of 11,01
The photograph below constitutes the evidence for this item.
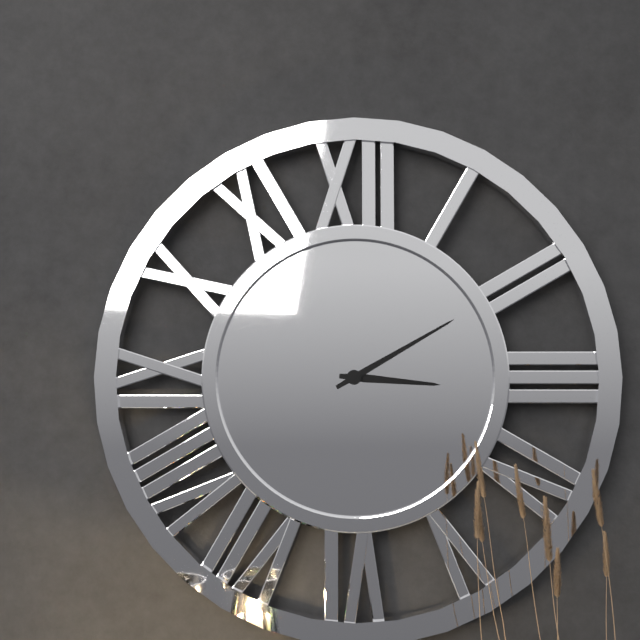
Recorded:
3,10
